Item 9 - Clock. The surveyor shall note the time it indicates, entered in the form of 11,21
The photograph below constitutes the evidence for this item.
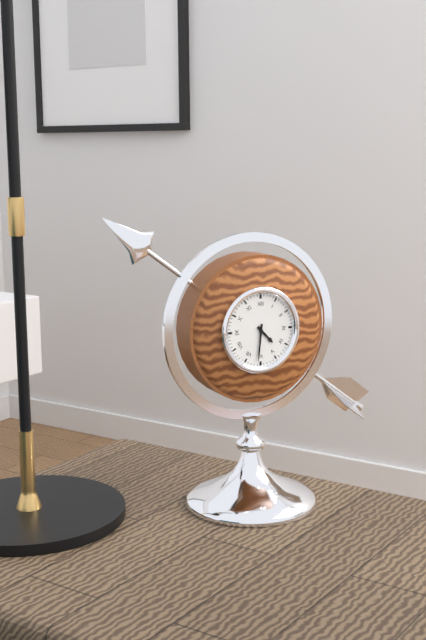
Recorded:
4,31
